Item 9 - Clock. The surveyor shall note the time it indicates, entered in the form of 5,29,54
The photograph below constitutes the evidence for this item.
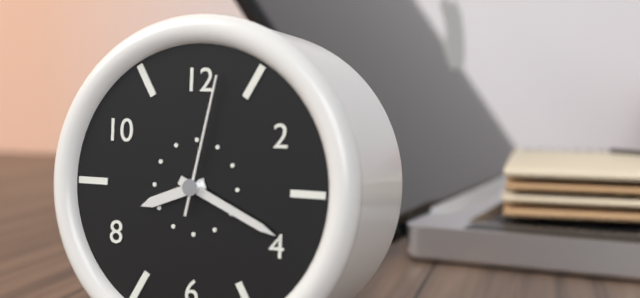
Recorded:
8,19,02
